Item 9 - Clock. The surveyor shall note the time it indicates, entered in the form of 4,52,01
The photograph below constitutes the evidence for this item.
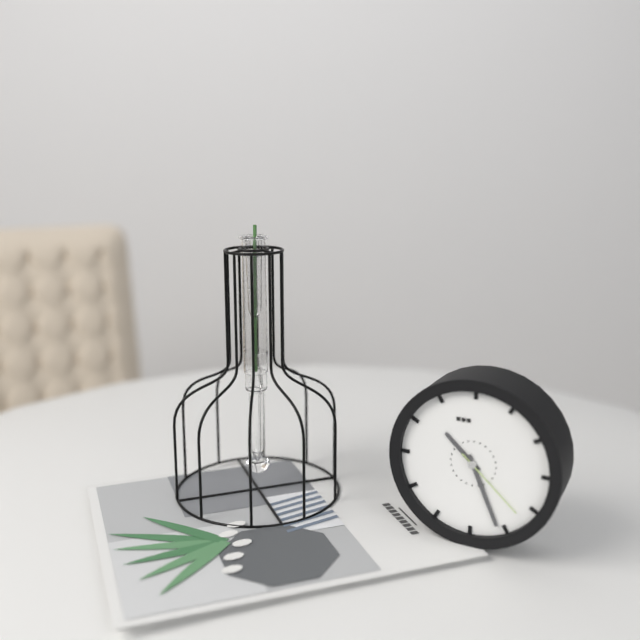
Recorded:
10,26,22
